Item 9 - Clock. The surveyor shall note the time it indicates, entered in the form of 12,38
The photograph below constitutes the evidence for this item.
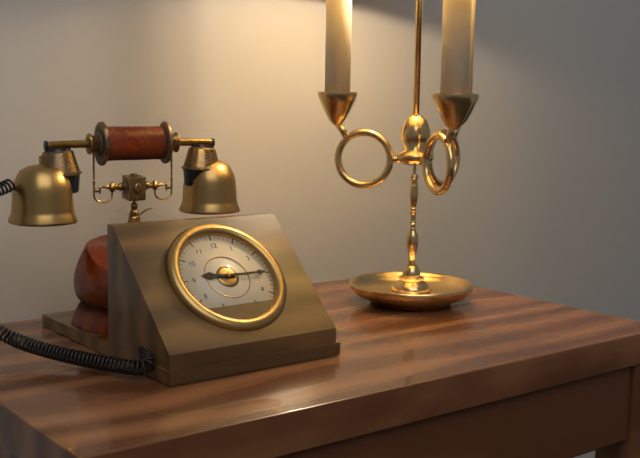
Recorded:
9,15
